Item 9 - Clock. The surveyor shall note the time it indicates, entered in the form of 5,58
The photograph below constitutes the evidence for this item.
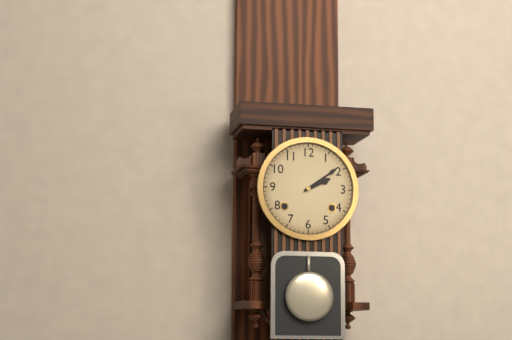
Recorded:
2,09
